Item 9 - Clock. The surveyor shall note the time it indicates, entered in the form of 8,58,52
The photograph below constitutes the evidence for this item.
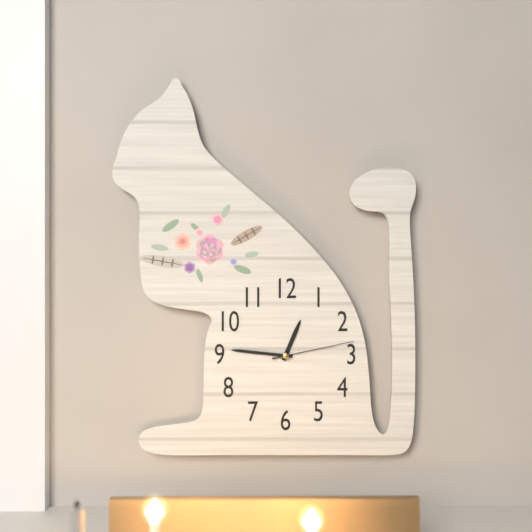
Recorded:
12,46,13
